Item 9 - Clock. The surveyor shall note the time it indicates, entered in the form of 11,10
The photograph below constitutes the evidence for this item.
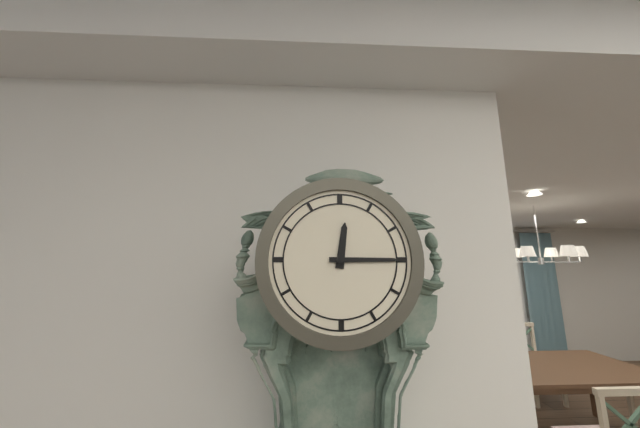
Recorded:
12,15
